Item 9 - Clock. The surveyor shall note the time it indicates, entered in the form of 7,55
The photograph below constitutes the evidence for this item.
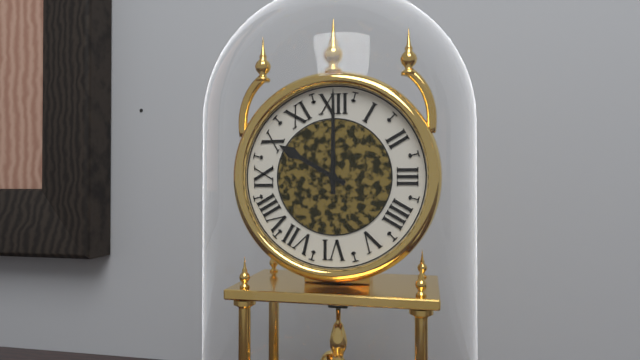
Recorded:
10,00
